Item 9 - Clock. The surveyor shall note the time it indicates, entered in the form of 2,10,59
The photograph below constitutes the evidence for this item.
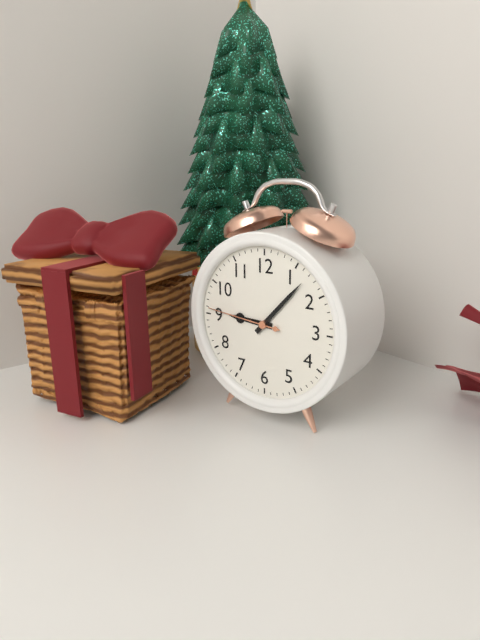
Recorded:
9,07,46
